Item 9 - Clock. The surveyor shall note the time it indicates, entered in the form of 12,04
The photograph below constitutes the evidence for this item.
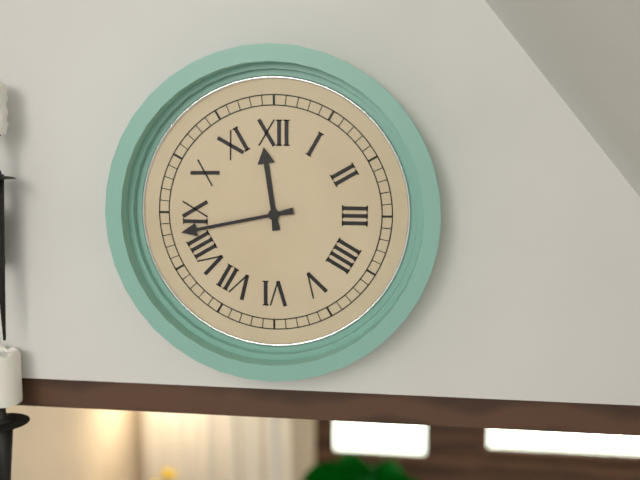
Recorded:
11,43
